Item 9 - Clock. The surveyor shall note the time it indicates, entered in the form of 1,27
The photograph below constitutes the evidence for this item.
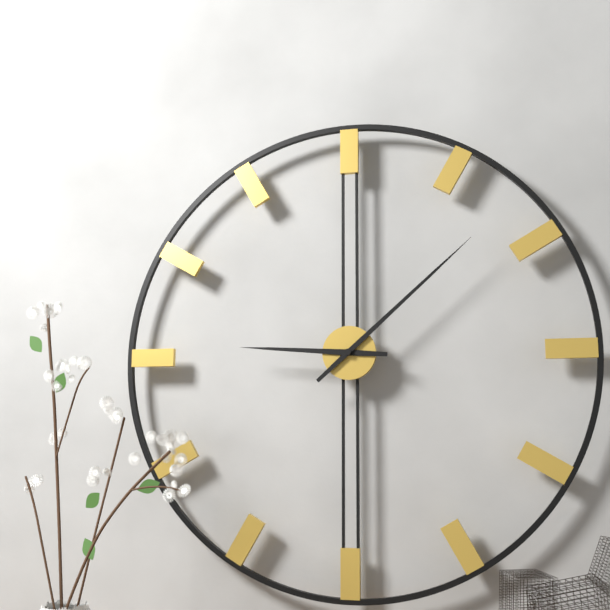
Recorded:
9,08
